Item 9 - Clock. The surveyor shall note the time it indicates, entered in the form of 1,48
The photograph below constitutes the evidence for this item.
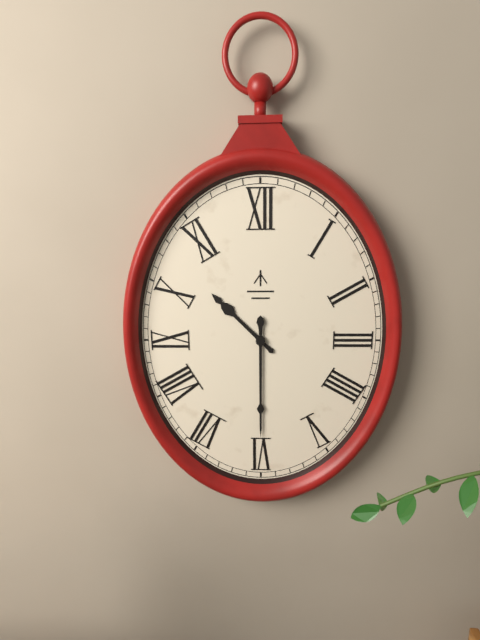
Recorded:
10,30
